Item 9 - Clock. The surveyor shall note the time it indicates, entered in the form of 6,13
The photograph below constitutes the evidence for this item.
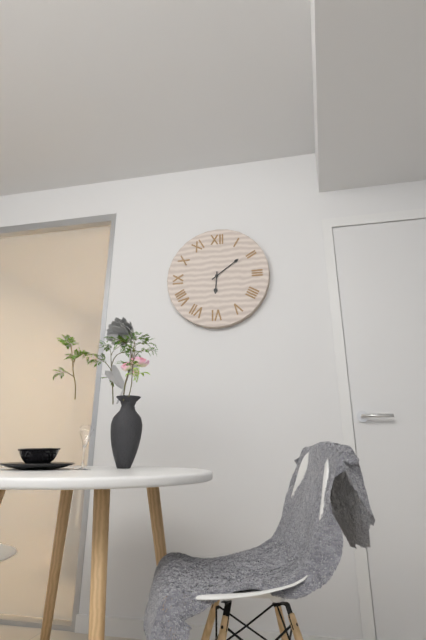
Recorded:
6,09
